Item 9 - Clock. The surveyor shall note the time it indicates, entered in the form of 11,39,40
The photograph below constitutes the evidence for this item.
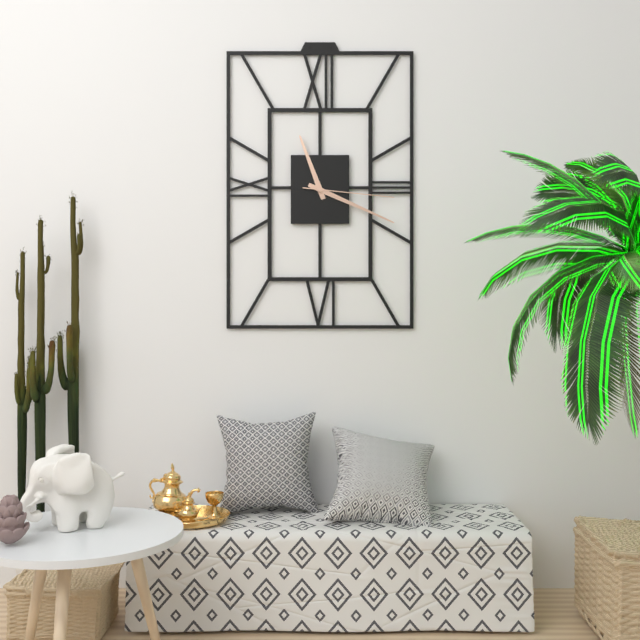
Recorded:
11,19,16
